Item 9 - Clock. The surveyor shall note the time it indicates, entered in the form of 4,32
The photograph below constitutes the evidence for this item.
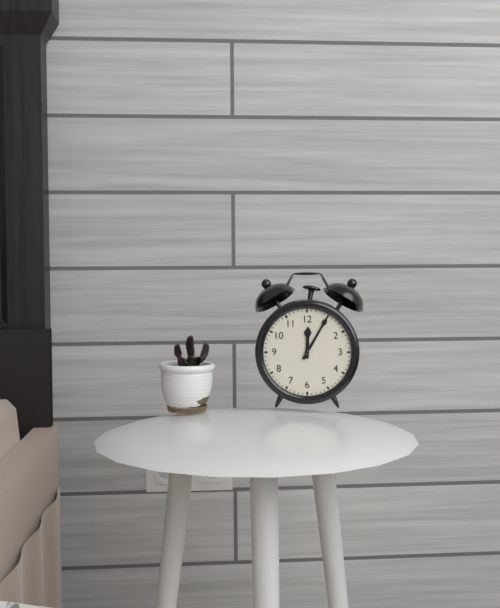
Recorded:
12,05
